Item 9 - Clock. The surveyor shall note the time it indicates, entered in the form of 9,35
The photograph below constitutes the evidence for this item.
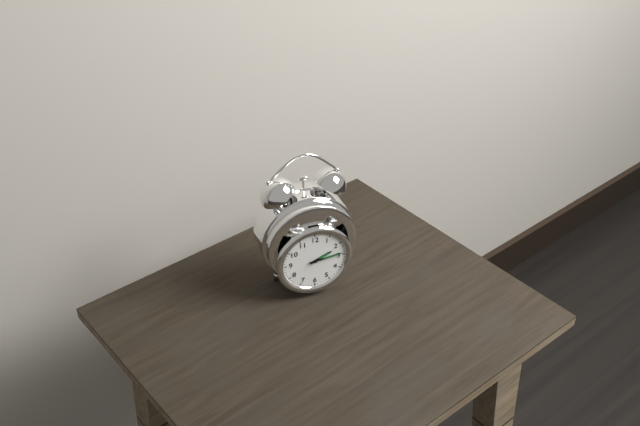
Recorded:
2,14
